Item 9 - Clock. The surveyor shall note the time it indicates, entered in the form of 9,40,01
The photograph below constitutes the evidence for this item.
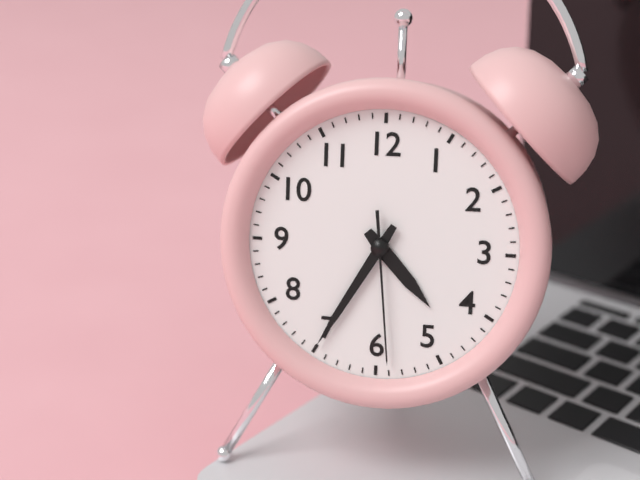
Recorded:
4,35,29
